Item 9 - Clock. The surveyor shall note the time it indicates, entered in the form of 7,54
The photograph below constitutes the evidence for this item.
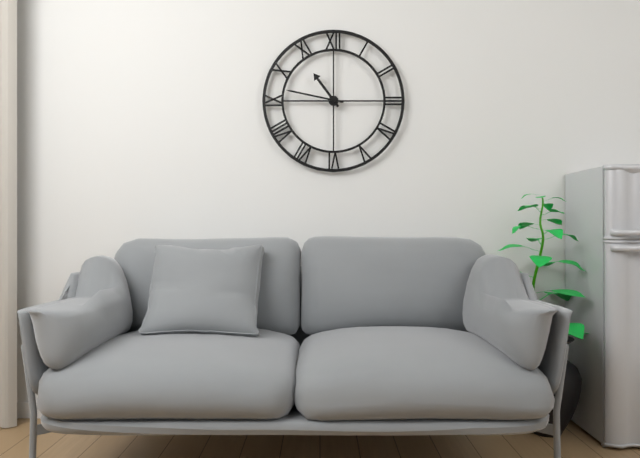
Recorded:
10,47
